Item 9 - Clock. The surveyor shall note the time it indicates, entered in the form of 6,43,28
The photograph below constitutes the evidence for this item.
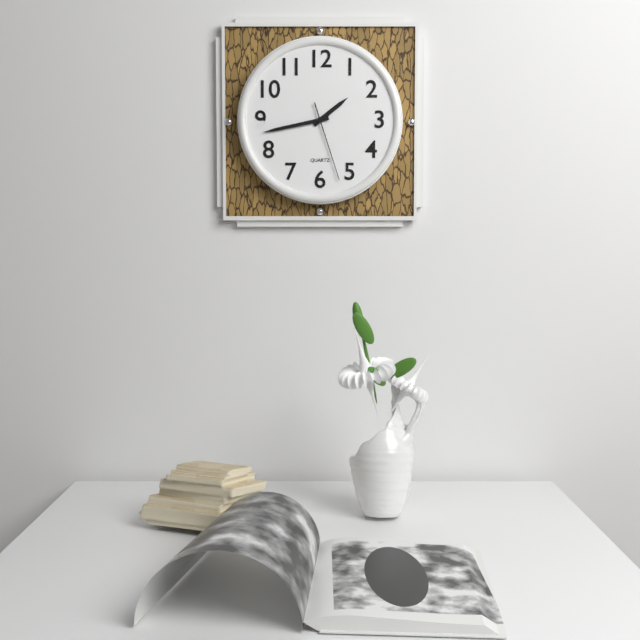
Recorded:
1,43,27
